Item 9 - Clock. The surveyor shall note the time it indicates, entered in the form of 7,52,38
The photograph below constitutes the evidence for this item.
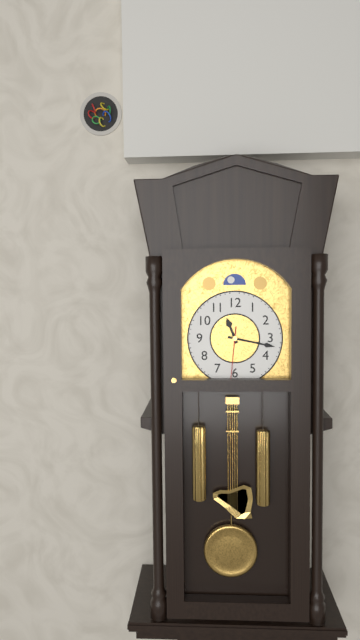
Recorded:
11,17,31
